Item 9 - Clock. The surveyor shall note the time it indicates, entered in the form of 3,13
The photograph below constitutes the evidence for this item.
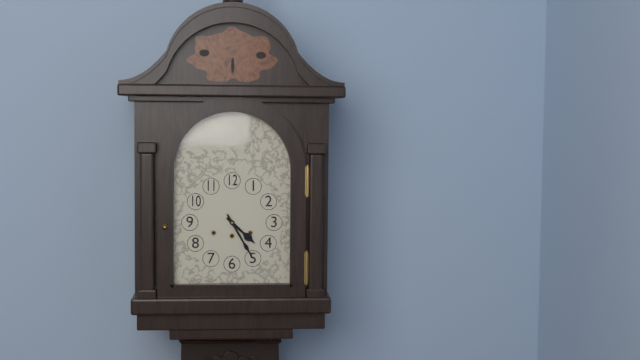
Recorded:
4,25
